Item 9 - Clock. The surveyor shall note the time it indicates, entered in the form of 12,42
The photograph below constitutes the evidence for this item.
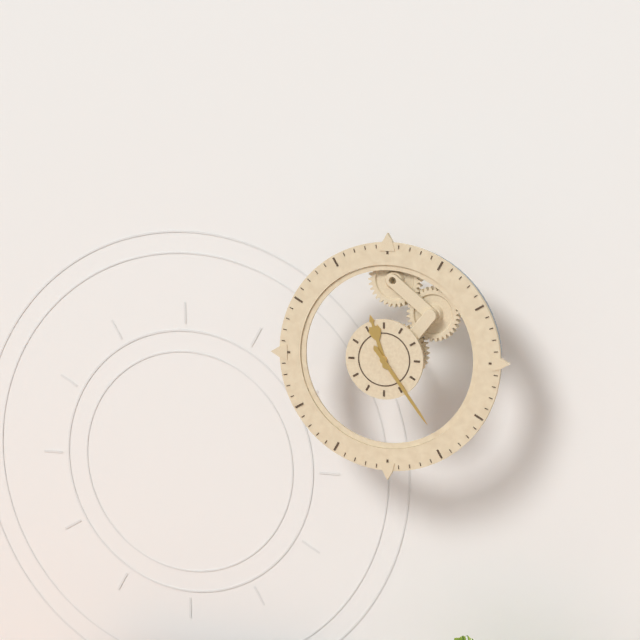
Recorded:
11,24
